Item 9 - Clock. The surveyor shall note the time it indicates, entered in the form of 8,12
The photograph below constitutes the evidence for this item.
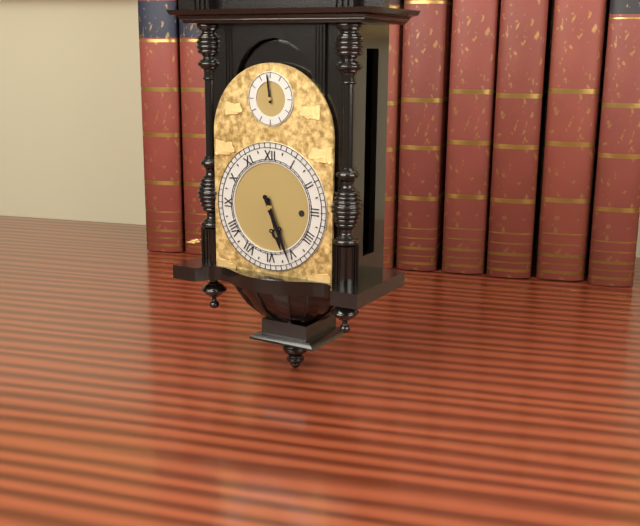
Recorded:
5,26
